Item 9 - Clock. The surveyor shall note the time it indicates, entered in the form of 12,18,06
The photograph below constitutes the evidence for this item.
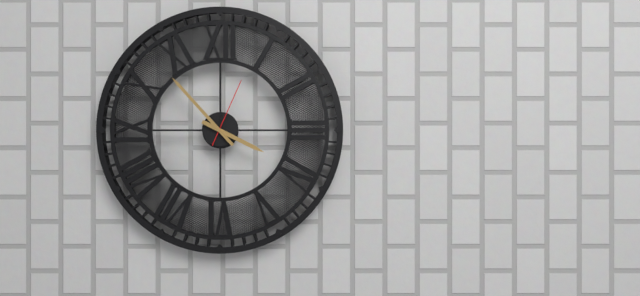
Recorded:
3,53,04
